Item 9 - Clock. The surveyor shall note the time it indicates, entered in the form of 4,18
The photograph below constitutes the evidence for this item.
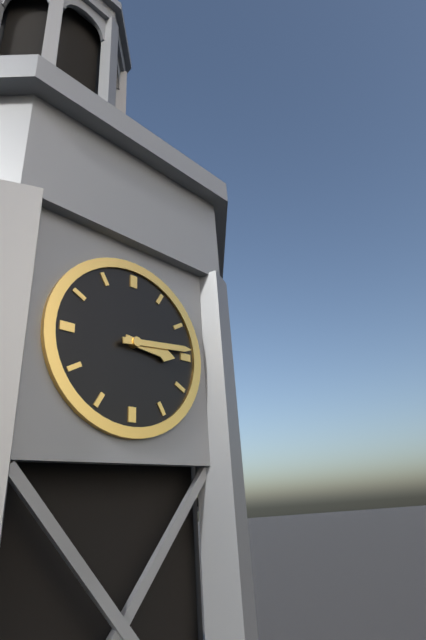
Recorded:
3,14
